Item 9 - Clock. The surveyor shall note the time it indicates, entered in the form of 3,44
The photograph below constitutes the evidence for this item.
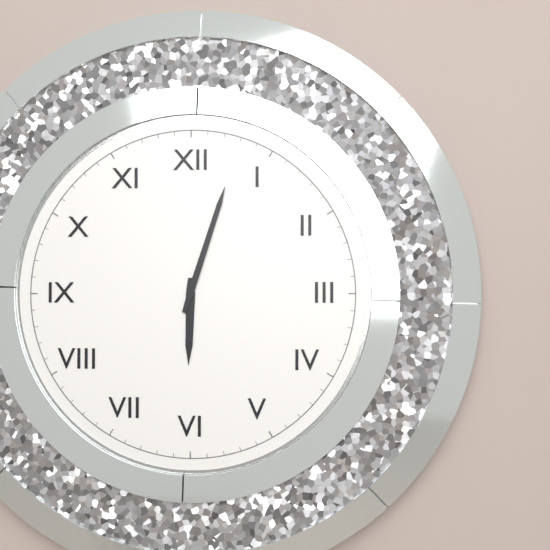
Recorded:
6,03
